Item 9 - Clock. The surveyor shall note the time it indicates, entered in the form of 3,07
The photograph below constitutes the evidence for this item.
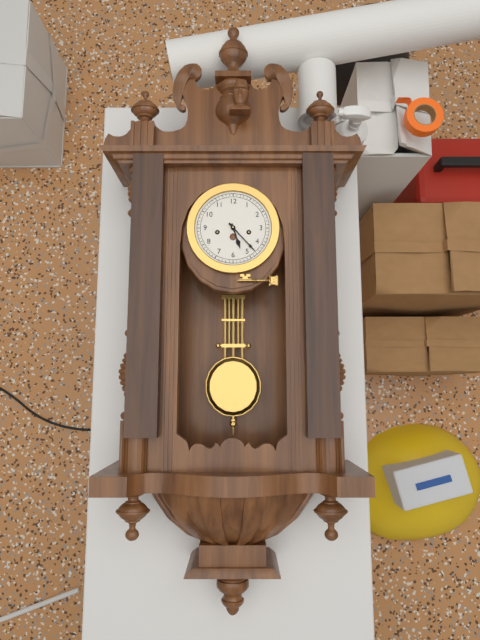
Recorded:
5,23
